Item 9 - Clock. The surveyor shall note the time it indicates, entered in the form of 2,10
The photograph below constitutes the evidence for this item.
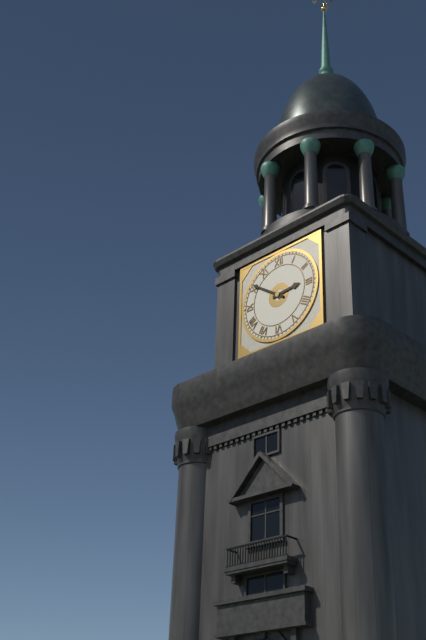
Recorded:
2,51
